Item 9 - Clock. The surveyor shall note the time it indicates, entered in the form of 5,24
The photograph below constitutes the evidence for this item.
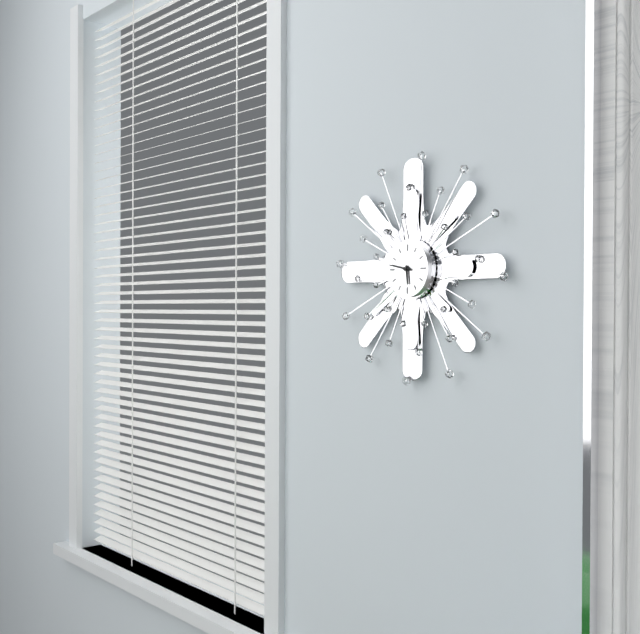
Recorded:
5,47
